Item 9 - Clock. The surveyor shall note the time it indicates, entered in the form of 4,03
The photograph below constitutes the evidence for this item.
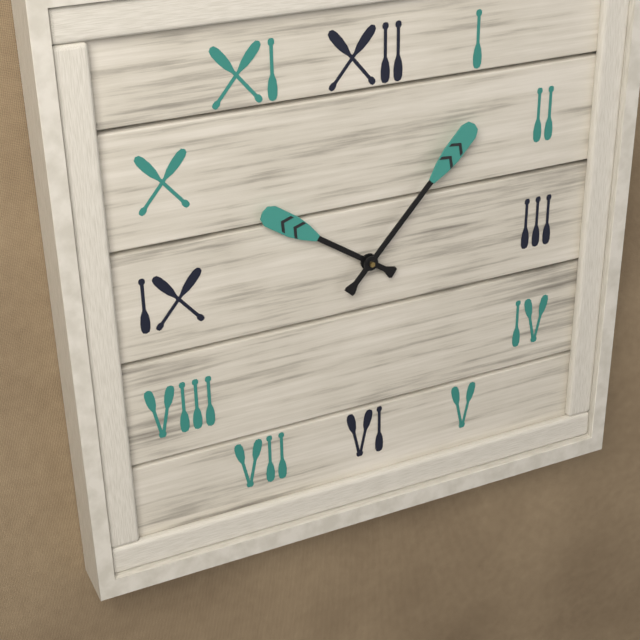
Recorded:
10,07
